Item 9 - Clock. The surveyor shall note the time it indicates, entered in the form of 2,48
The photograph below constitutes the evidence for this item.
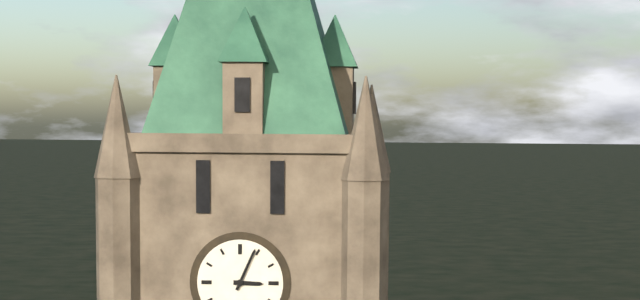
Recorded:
3,04
